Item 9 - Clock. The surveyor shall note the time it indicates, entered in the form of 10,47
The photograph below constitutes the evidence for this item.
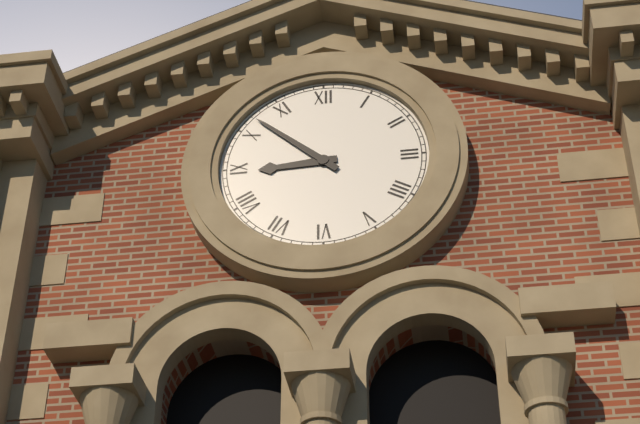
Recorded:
8,52
